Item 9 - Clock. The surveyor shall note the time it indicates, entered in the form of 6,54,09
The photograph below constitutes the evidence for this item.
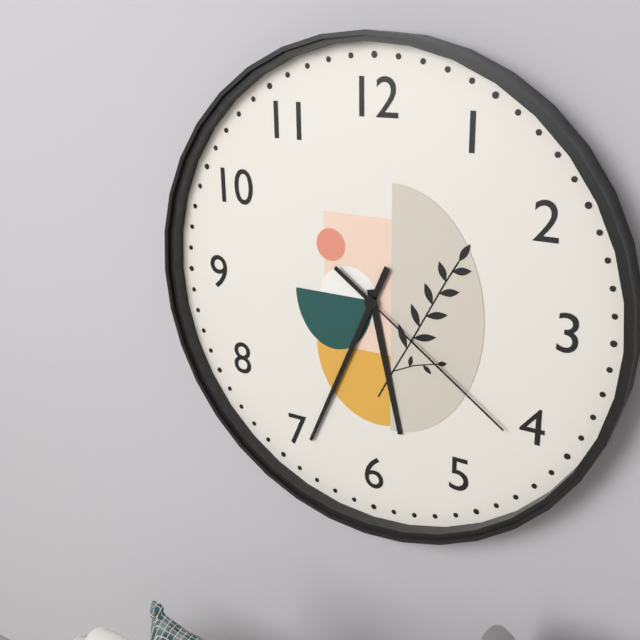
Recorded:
5,34,21
